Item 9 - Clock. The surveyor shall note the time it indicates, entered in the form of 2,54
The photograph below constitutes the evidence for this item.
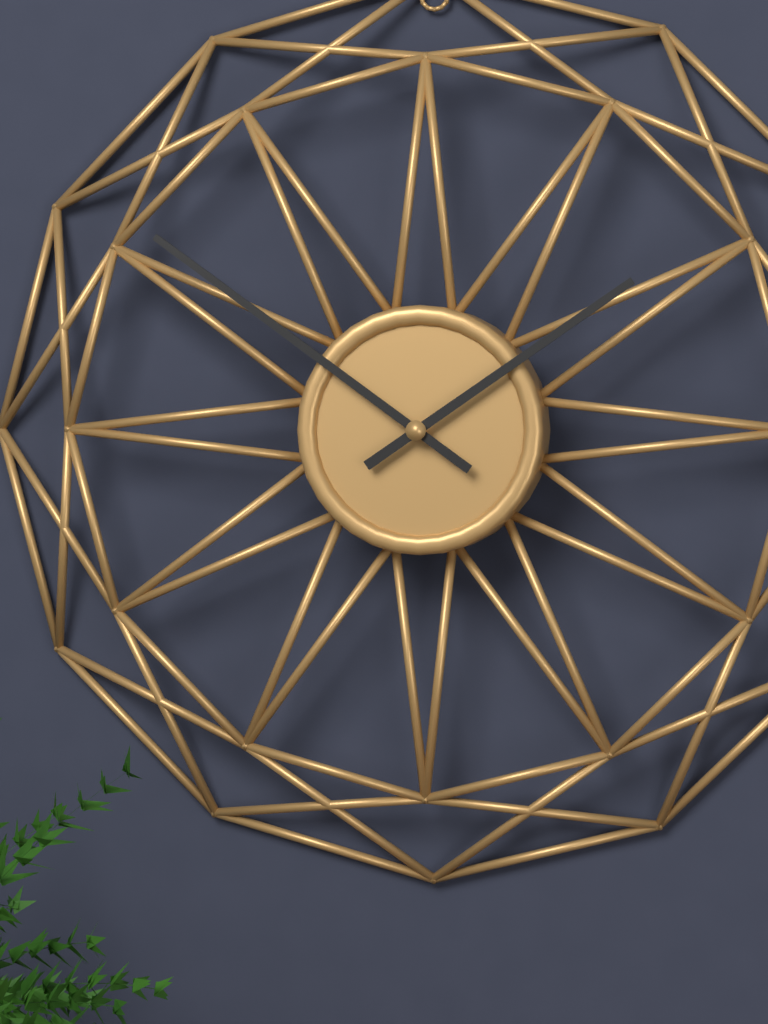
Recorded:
1,51
